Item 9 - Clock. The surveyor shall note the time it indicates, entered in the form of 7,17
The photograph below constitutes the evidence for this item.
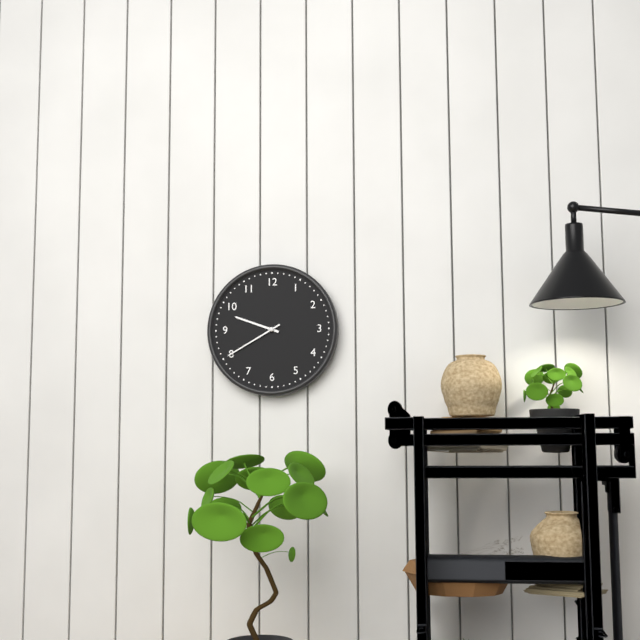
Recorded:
9,40
